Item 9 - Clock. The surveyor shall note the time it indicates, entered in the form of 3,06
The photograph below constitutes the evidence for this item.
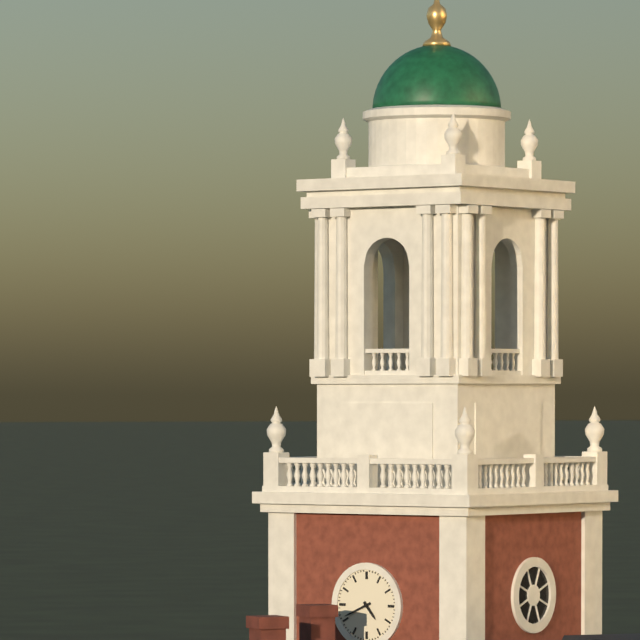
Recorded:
4,41
